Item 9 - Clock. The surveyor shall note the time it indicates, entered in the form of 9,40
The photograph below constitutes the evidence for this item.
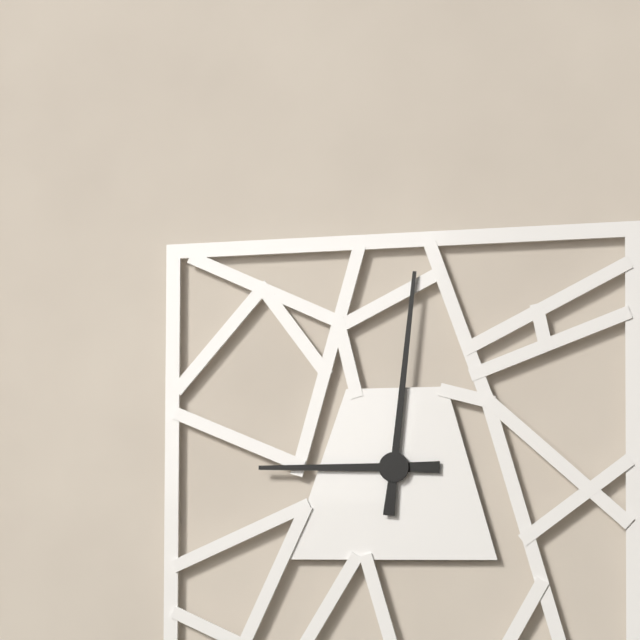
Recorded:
9,01
